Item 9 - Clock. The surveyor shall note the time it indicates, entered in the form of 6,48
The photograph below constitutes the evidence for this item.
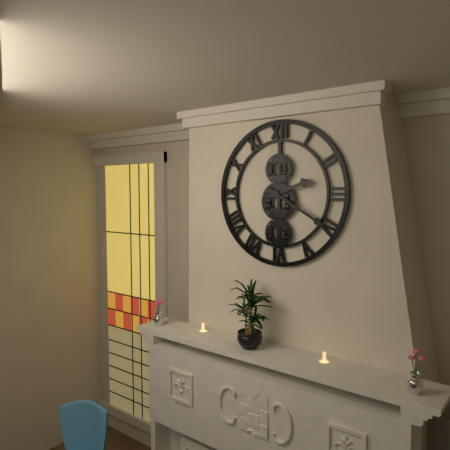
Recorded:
2,20
